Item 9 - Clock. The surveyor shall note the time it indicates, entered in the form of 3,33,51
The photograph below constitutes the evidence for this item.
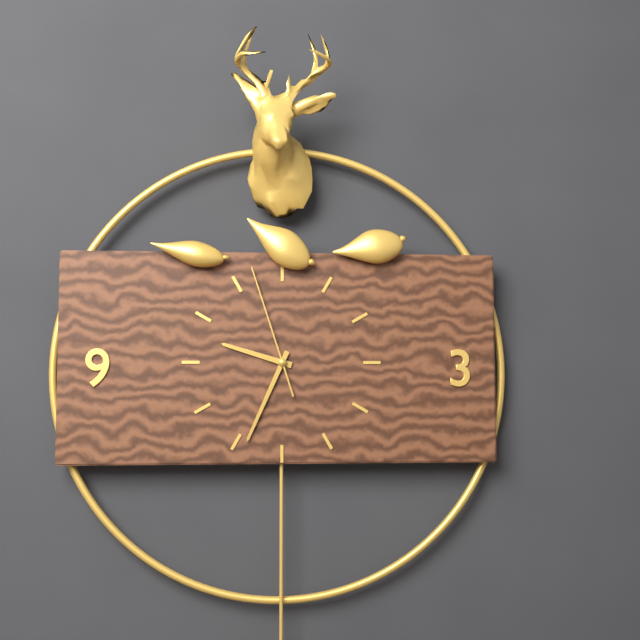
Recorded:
9,34,57
